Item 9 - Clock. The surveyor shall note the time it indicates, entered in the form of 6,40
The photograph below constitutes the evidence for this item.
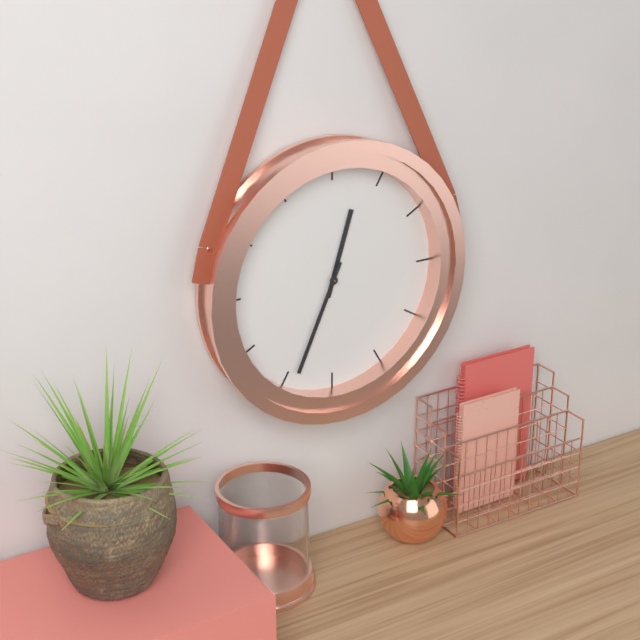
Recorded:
12,34
